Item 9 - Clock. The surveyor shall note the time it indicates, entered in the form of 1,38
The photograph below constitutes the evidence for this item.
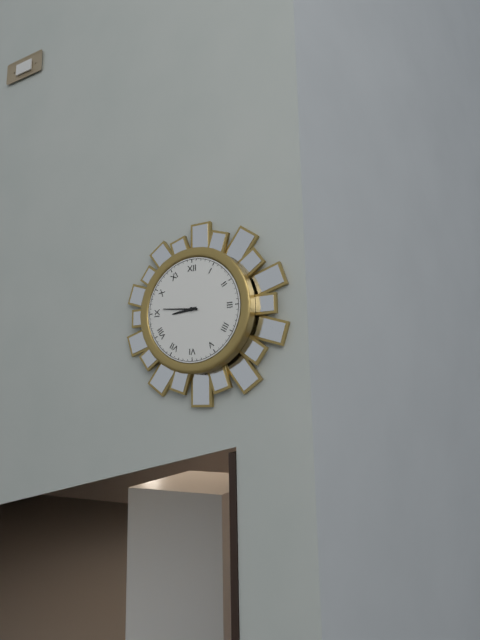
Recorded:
8,46
